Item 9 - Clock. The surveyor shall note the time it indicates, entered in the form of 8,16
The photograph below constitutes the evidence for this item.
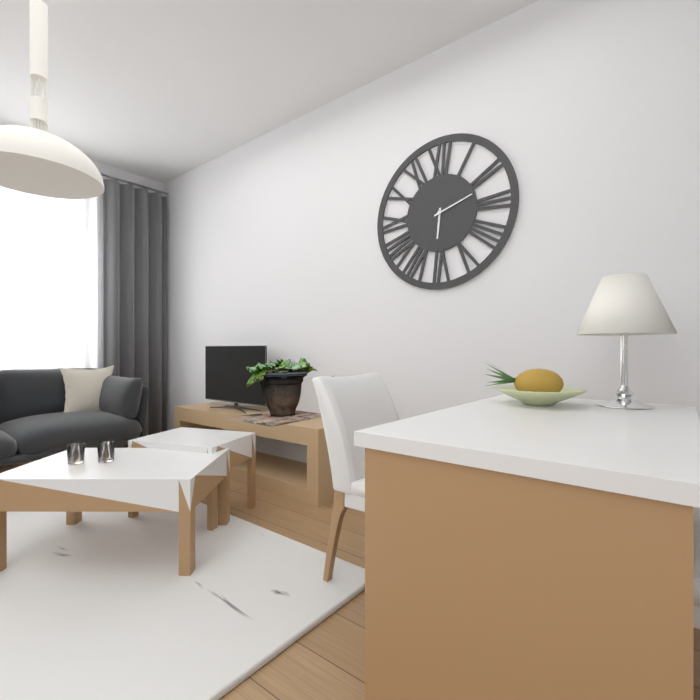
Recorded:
6,12
